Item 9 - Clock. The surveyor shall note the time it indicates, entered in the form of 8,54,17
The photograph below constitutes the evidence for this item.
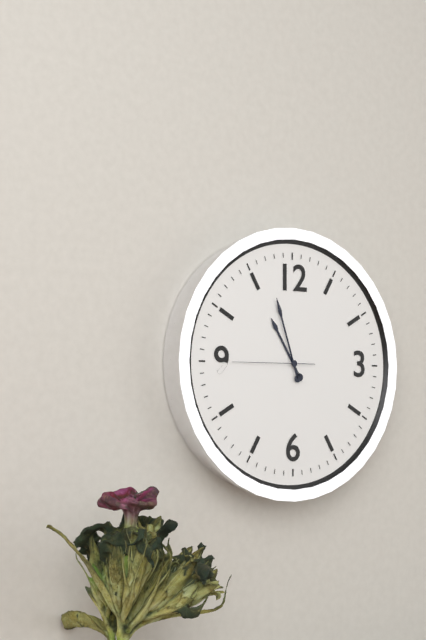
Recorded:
10,57,45
